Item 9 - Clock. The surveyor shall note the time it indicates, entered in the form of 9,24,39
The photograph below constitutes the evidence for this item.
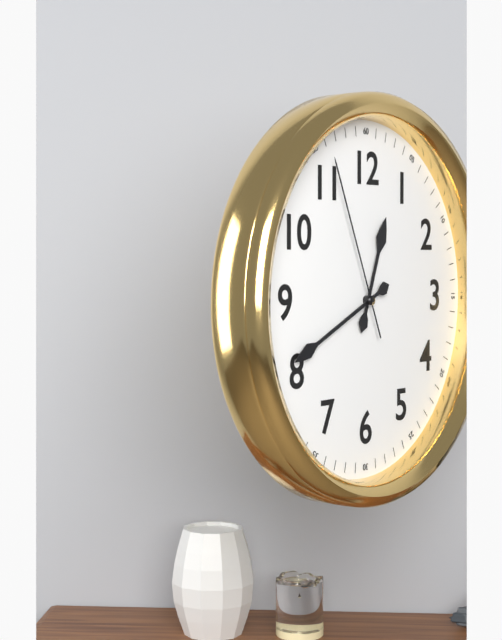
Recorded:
12,41,56
